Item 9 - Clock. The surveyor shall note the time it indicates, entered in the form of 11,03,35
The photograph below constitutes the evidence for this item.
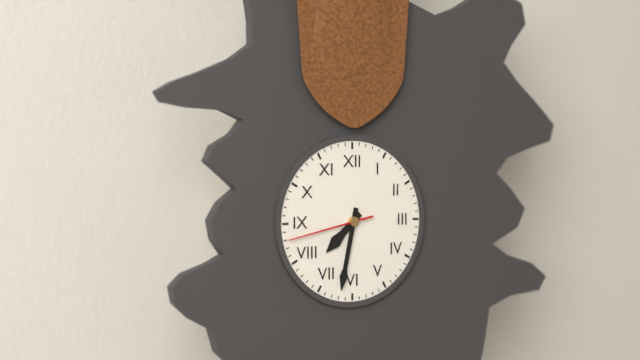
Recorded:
7,32,43
